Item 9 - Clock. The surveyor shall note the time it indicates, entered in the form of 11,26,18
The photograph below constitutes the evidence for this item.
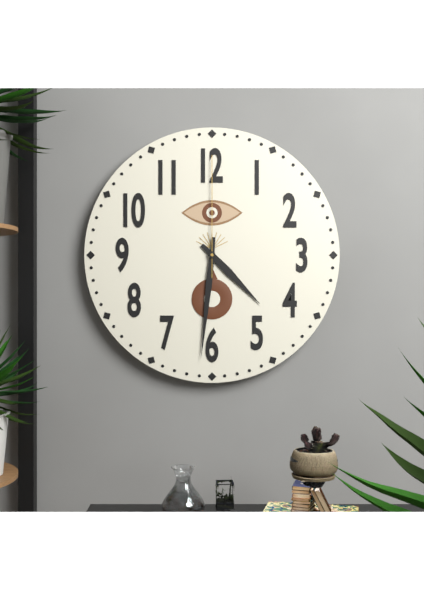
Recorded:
4,31,00
